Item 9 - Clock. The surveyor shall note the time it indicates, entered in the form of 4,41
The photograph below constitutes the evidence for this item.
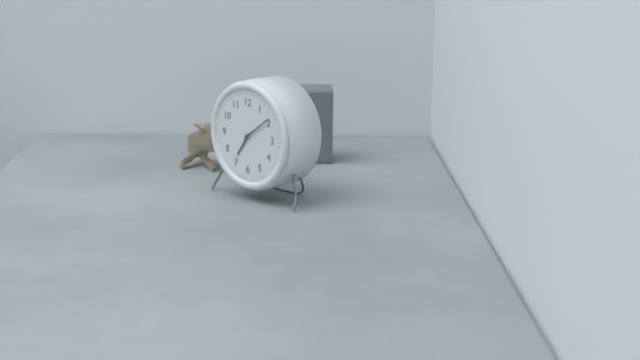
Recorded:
7,09
